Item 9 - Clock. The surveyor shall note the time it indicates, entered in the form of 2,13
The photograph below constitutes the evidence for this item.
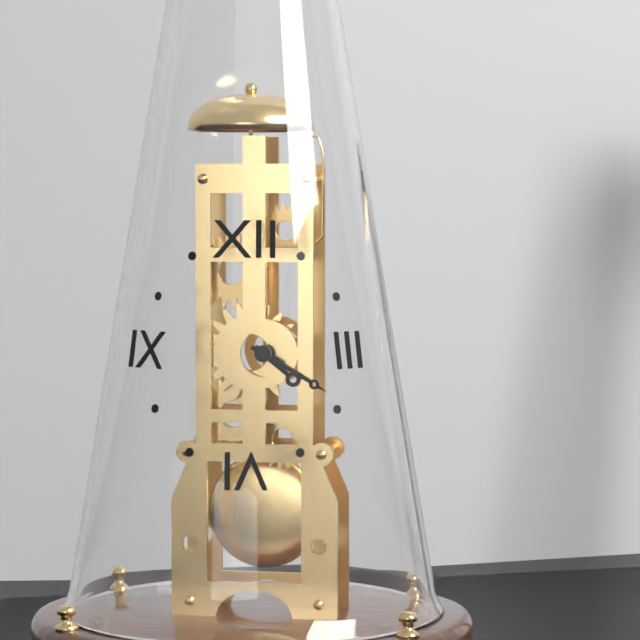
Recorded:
4,20
